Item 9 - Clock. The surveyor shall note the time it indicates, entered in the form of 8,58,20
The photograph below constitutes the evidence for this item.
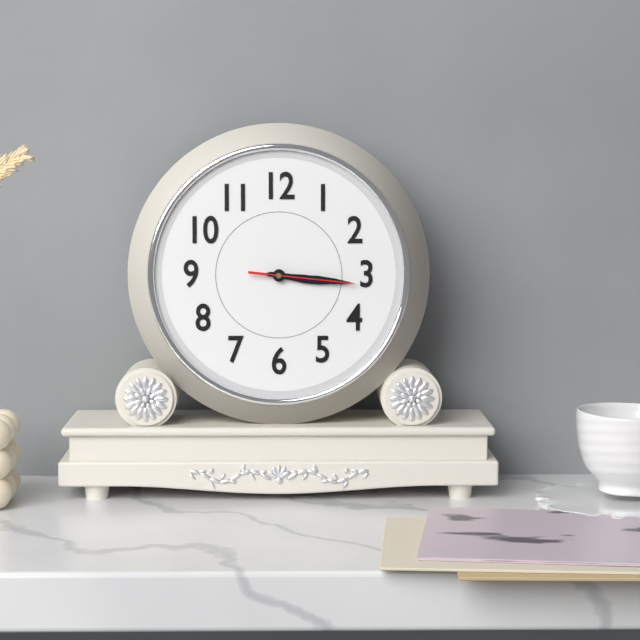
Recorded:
3,16,16
